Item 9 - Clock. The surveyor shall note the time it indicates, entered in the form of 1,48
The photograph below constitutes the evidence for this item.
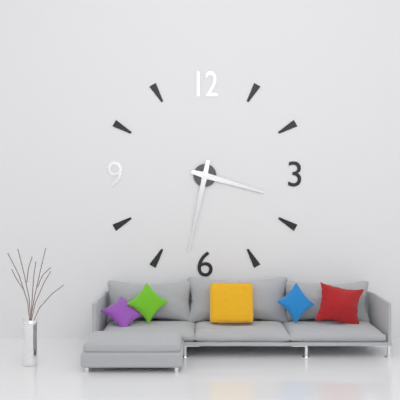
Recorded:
3,32
